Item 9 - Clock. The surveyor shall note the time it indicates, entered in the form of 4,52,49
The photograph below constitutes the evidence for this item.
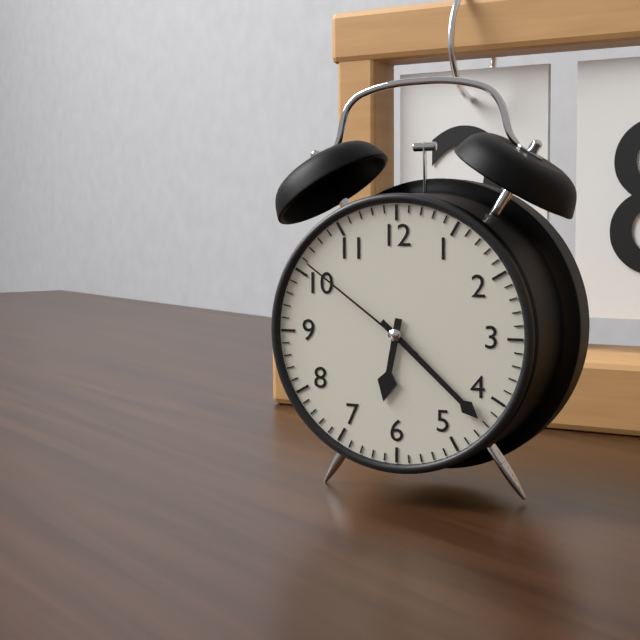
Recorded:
6,22,51
